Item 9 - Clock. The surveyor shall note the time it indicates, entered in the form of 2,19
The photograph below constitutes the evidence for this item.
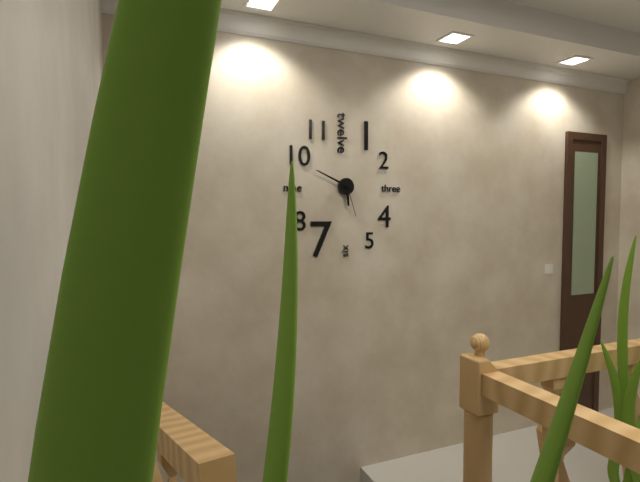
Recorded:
5,49
